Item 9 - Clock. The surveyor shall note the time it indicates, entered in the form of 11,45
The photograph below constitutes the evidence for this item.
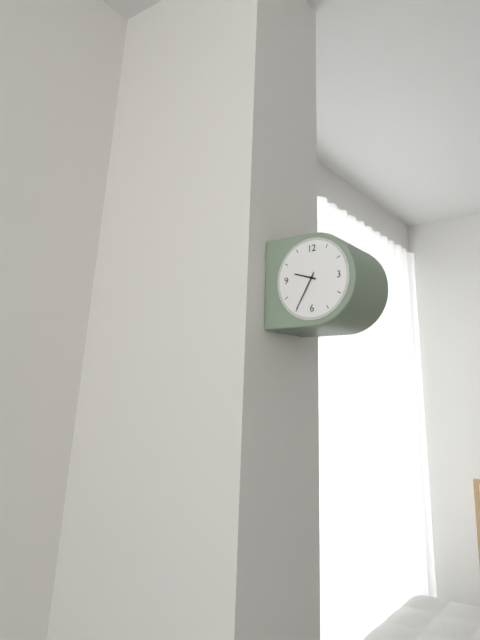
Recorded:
9,35
